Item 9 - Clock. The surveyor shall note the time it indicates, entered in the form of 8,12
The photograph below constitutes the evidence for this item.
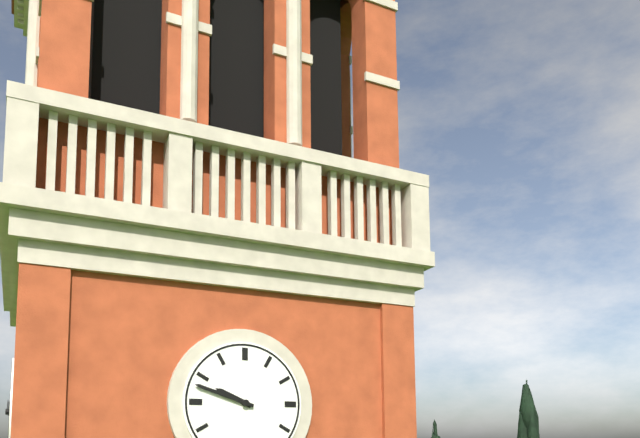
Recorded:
9,48
